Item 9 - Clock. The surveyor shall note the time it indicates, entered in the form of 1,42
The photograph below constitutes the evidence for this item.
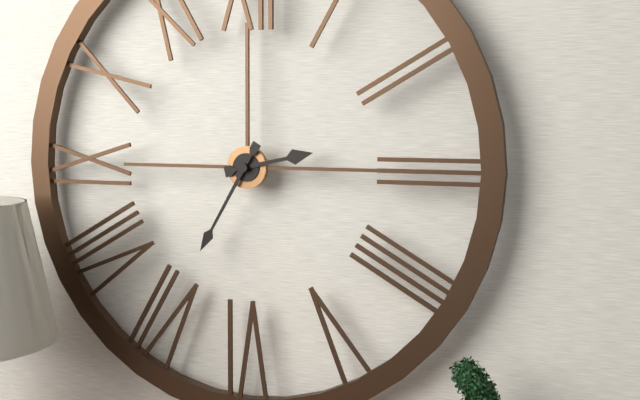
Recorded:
2,35
